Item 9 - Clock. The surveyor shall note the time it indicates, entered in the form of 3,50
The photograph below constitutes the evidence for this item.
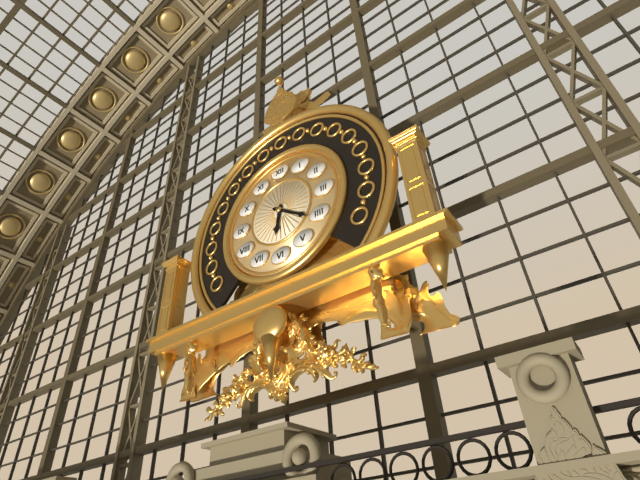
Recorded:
6,21
